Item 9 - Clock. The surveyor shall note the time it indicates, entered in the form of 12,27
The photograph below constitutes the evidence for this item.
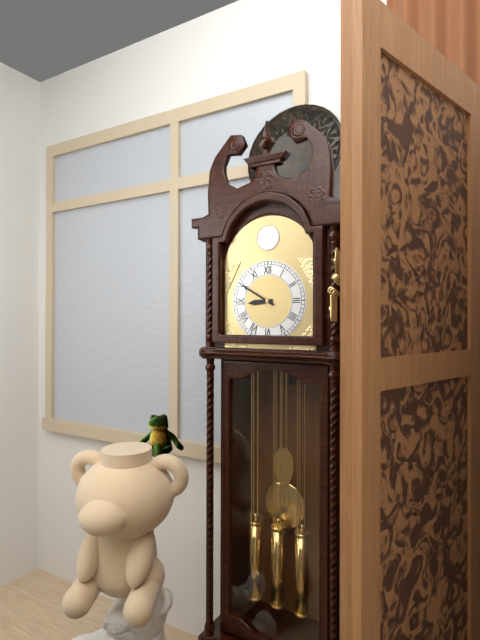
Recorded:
8,50
